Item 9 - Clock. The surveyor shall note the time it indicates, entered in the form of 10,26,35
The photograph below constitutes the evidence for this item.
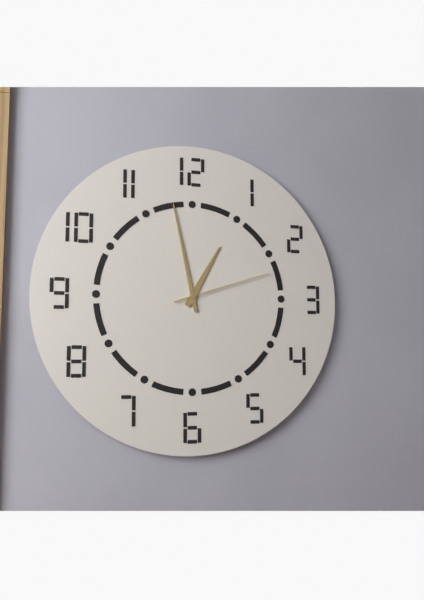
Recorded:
12,58,12
